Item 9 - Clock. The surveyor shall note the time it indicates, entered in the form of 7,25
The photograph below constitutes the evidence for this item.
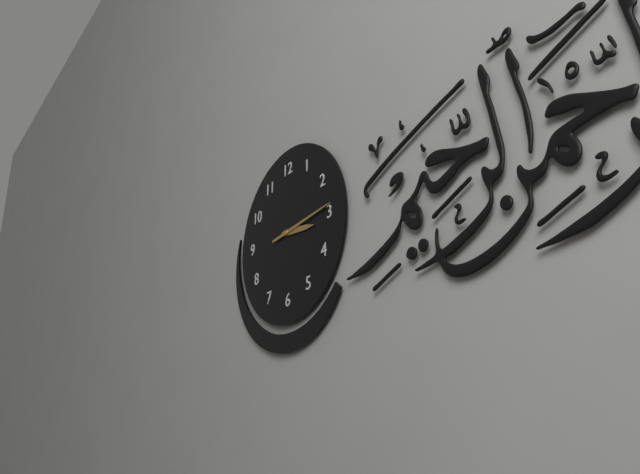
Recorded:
3,14
